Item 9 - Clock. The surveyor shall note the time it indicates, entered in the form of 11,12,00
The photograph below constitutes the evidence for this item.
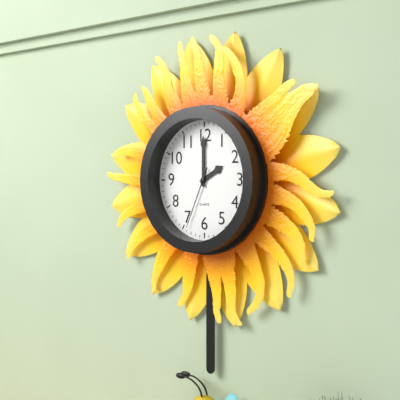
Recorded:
2,00,34
